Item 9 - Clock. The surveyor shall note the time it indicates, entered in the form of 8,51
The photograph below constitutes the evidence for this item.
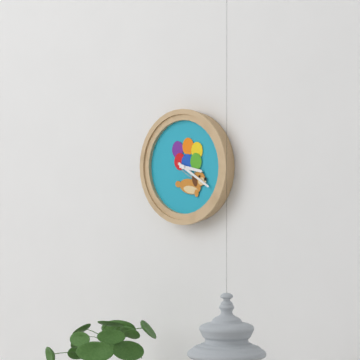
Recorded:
3,20
